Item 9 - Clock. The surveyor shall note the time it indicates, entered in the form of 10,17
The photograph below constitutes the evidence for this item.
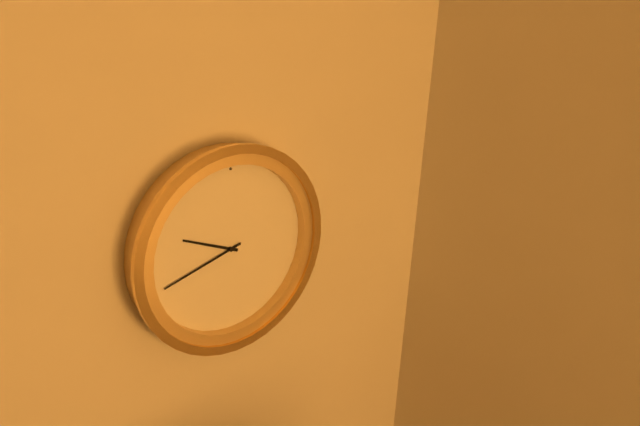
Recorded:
9,42
